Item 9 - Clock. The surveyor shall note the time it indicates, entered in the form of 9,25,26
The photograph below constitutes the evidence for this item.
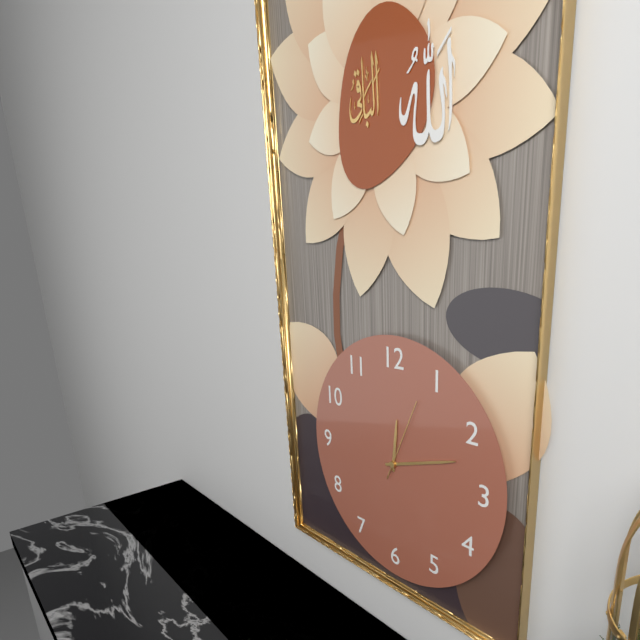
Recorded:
12,12,04
